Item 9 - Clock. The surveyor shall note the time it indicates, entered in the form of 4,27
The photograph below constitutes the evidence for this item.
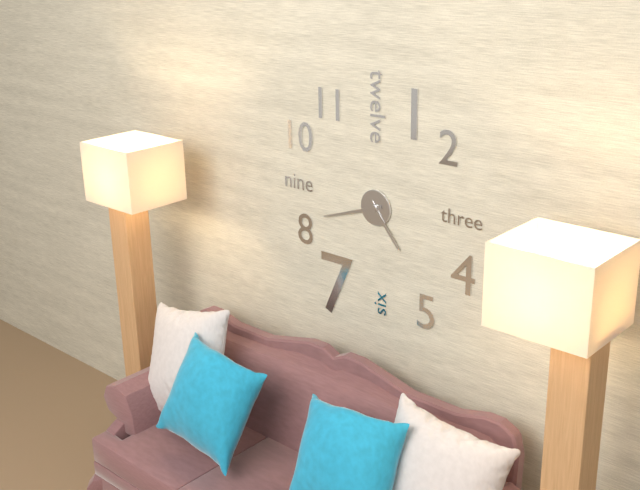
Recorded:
4,42
